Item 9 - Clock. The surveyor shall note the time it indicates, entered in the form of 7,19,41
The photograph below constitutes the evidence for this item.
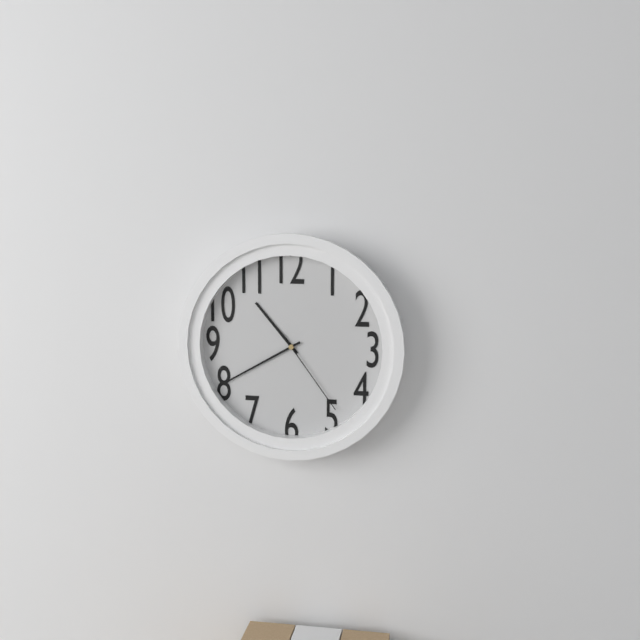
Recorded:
10,40,24
